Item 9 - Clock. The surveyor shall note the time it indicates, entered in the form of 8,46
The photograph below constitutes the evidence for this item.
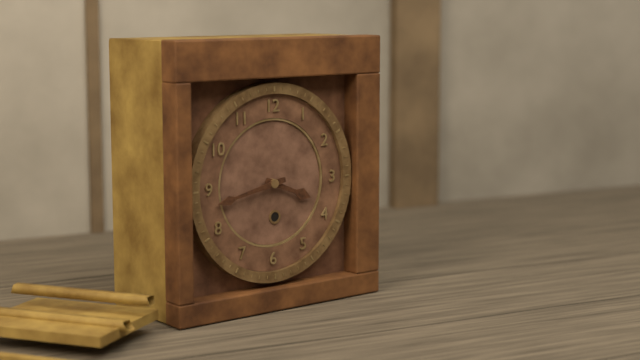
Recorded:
3,43
